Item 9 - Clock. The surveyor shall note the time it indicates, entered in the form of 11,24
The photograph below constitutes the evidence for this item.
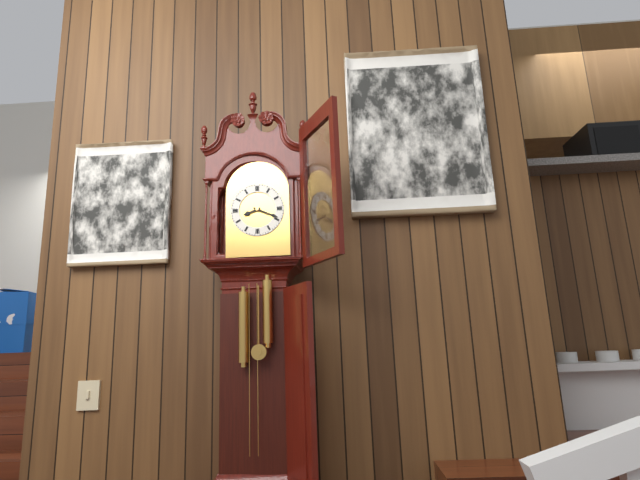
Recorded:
8,19
